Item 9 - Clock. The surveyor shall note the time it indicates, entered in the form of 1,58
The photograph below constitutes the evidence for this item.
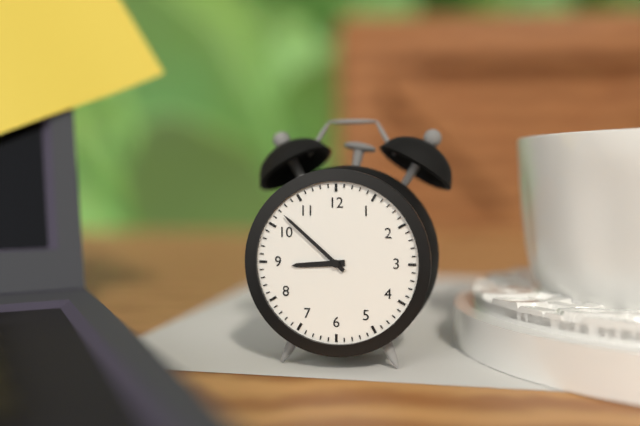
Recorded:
8,52
